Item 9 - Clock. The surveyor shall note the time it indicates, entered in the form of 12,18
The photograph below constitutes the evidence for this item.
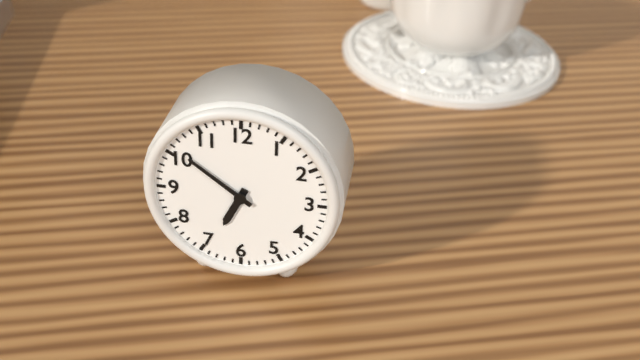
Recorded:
6,51
